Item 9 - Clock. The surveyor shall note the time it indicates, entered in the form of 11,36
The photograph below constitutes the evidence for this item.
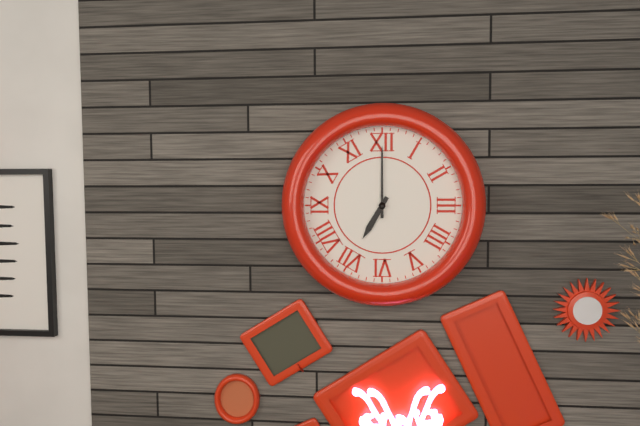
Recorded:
7,00
